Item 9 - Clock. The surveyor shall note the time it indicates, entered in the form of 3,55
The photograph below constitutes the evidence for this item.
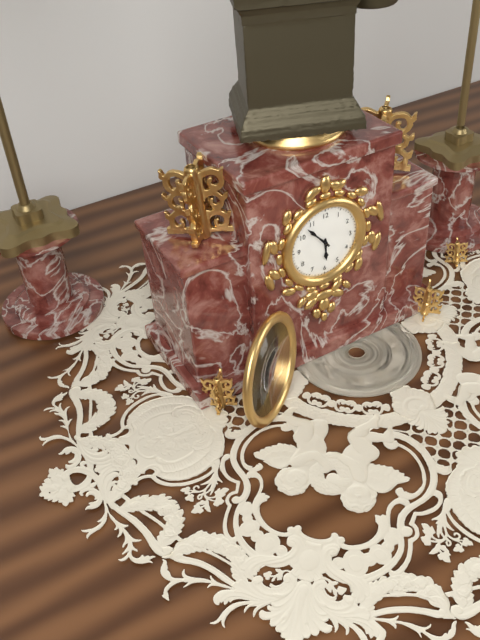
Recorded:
5,53
